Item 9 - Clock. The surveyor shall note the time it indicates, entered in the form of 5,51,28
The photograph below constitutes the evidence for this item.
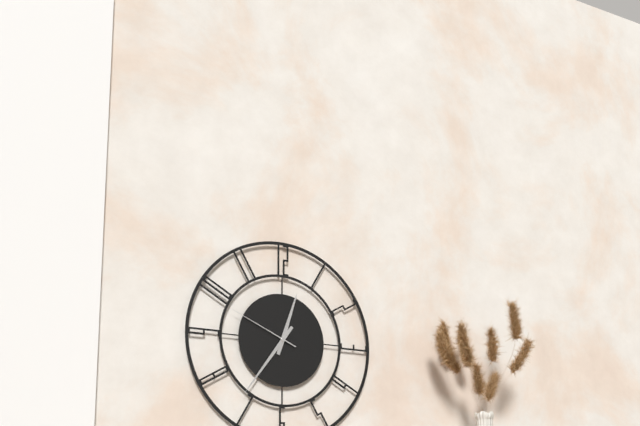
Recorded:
12,36,49
